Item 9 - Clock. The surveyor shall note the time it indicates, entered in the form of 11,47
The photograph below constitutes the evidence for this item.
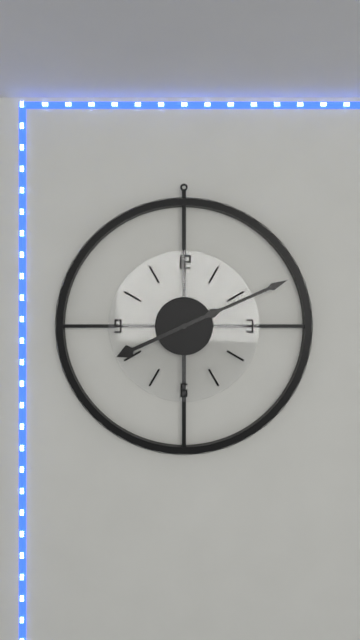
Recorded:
8,11
